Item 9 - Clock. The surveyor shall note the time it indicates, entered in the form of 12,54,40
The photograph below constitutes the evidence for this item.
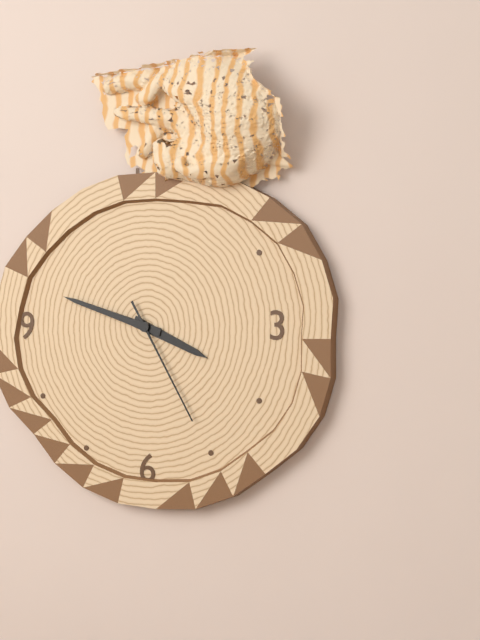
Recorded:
3,48,25
